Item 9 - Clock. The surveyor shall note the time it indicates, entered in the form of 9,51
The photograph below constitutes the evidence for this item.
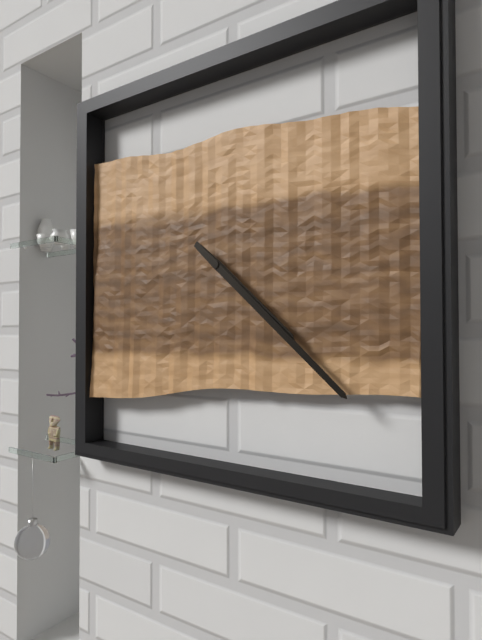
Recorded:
4,22
